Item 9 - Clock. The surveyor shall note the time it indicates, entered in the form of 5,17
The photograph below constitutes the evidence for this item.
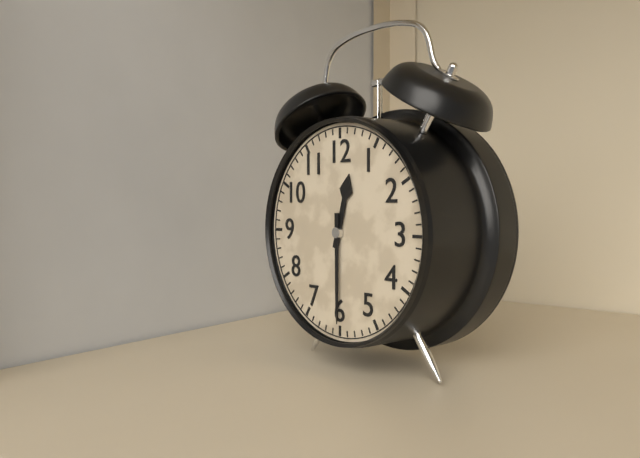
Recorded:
12,30
